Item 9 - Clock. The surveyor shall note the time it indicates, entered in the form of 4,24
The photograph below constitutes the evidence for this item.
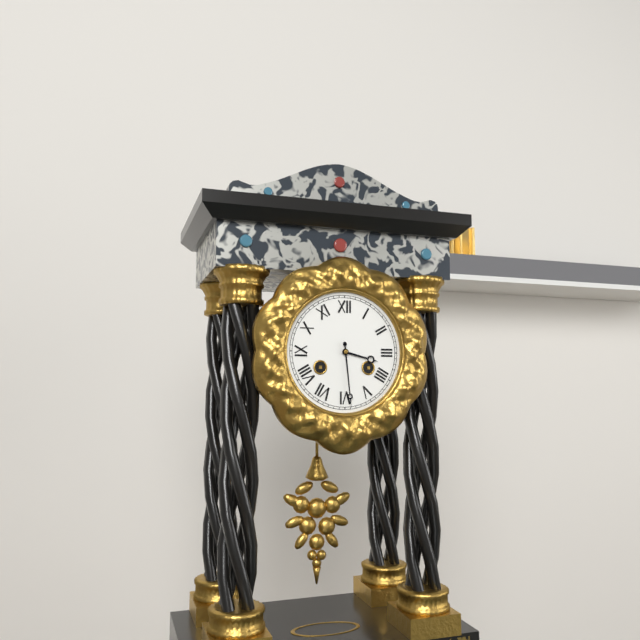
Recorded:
3,29
